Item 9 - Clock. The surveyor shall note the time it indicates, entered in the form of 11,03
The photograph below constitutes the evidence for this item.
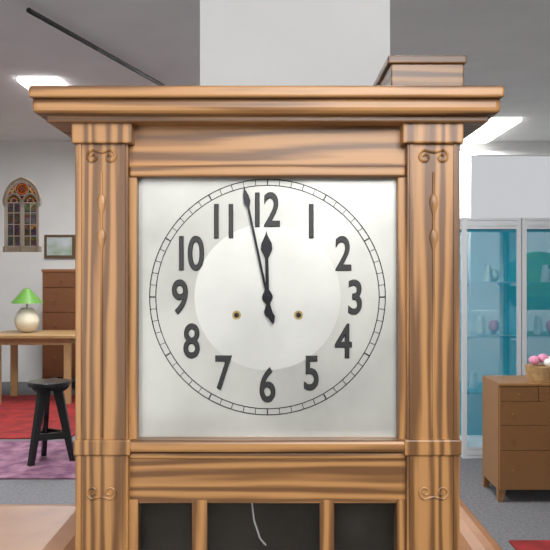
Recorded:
11,58
